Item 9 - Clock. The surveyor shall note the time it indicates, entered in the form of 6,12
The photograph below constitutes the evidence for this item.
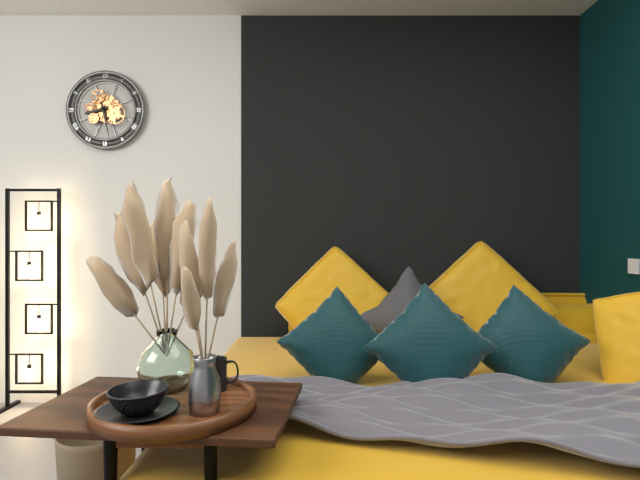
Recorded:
8,28
